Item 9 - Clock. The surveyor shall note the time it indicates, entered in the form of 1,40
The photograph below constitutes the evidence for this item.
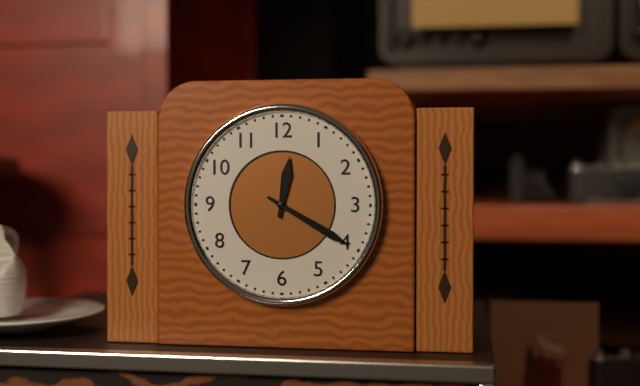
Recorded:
12,20
